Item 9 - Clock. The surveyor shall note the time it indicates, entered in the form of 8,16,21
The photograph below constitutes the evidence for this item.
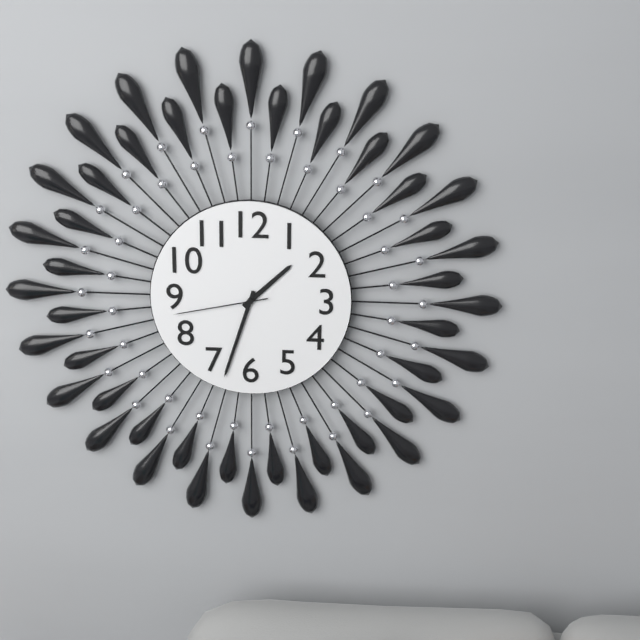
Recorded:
1,33,43
